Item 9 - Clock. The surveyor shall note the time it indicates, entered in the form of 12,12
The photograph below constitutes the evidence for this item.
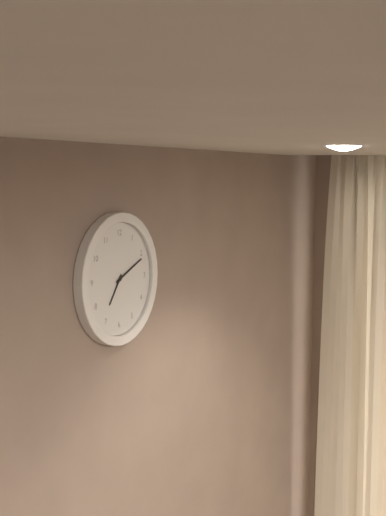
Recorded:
7,11
